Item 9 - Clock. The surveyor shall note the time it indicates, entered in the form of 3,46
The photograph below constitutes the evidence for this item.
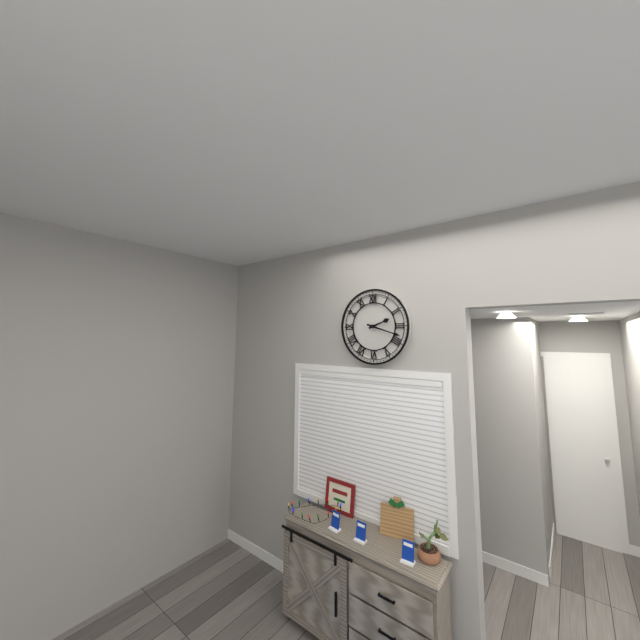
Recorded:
2,18
